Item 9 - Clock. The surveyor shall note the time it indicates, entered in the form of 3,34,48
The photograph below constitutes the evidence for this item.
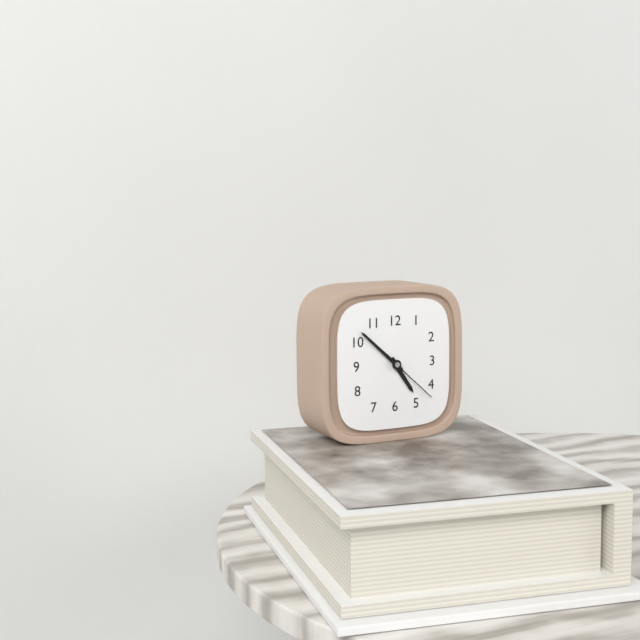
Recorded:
4,52,22
